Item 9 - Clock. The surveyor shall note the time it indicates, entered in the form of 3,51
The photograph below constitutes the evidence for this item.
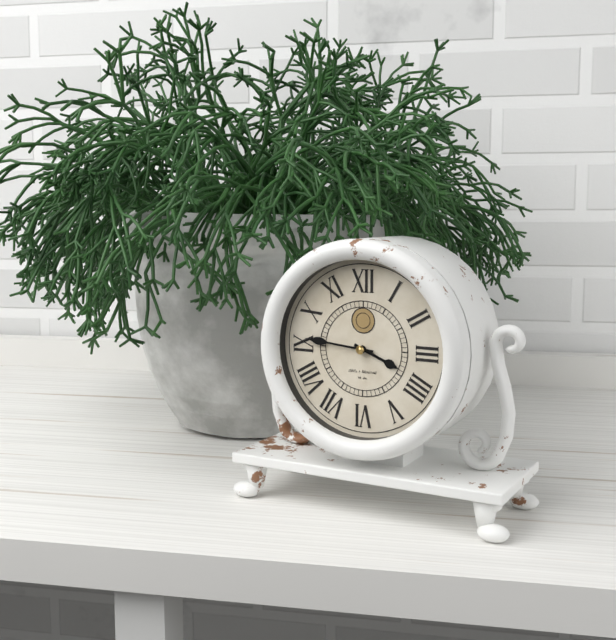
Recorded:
3,46
